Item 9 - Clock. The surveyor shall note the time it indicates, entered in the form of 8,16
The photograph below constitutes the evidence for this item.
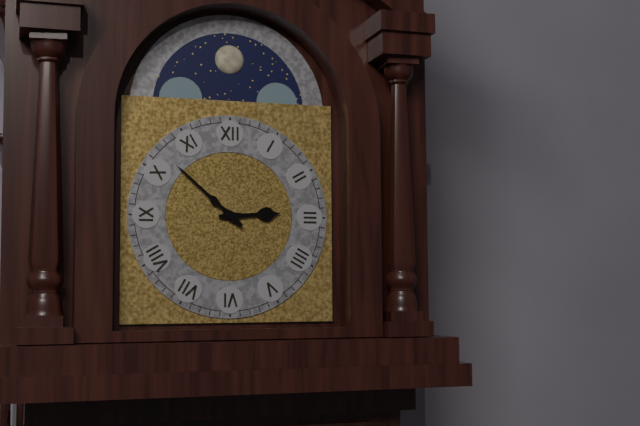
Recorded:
2,52
